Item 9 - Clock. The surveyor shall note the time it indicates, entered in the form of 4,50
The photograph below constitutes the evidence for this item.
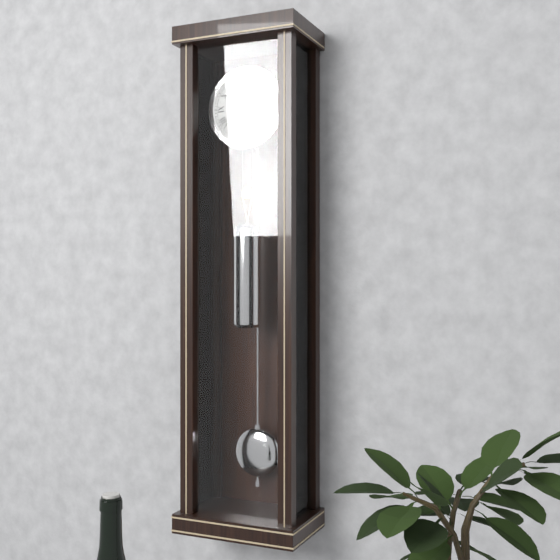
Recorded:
7,22
